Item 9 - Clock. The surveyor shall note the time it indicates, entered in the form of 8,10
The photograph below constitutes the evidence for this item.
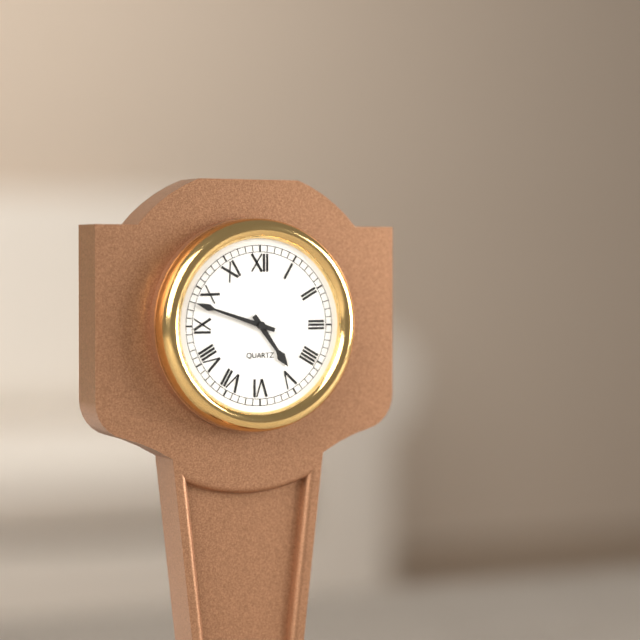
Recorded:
4,48
